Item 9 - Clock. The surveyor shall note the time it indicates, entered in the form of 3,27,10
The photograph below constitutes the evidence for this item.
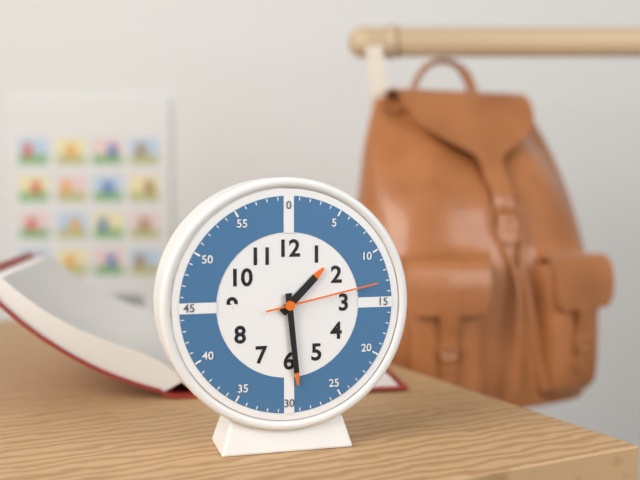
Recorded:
1,29,13
